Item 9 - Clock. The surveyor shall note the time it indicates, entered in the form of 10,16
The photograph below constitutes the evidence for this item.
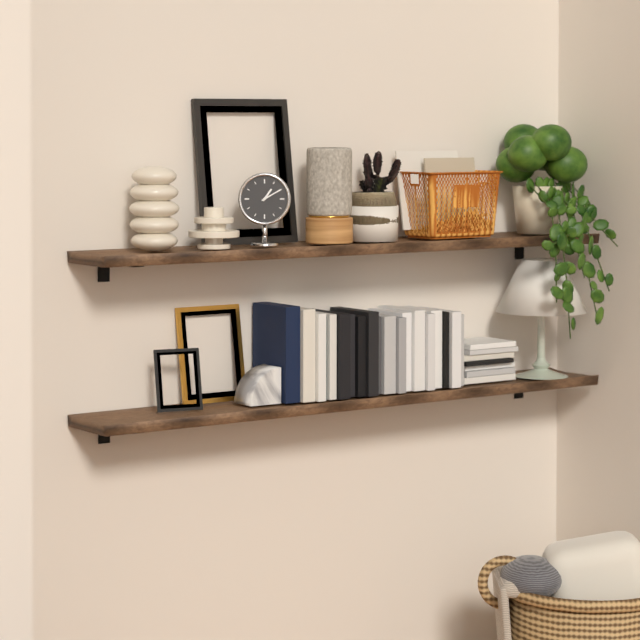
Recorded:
1,10
